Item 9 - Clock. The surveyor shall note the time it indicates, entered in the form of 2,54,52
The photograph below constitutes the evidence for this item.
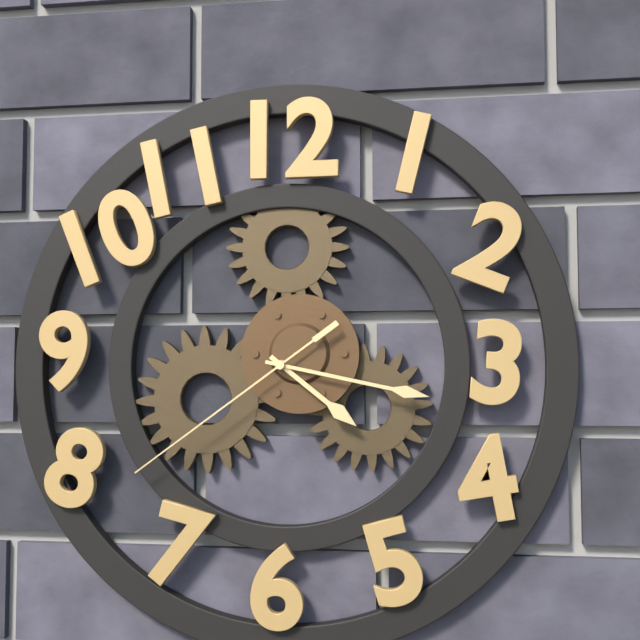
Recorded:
4,17,39
